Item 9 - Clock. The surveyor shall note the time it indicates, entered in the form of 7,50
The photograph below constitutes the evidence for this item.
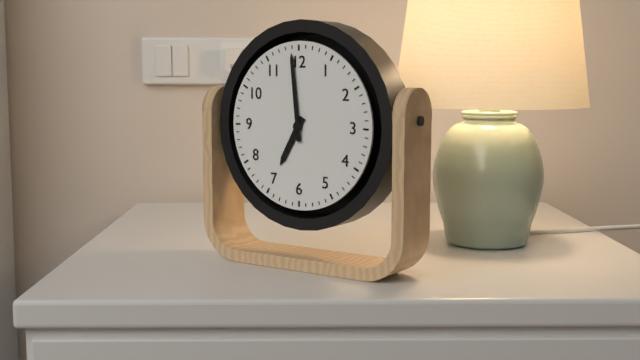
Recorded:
6,59
